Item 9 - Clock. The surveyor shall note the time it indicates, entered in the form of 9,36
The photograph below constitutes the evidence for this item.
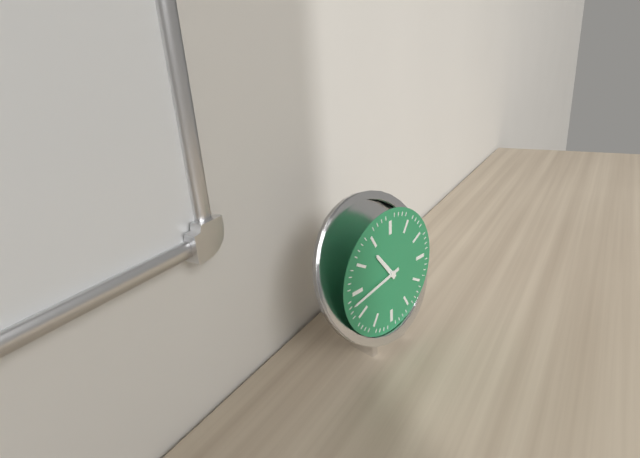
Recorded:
10,43
